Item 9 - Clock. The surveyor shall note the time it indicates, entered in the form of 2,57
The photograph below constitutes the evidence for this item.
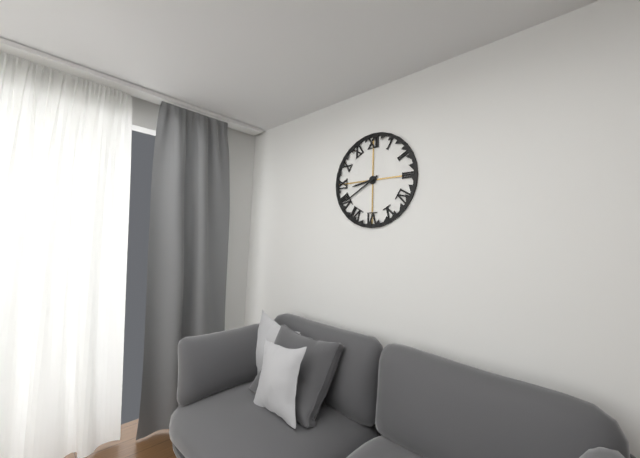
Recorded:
8,40
